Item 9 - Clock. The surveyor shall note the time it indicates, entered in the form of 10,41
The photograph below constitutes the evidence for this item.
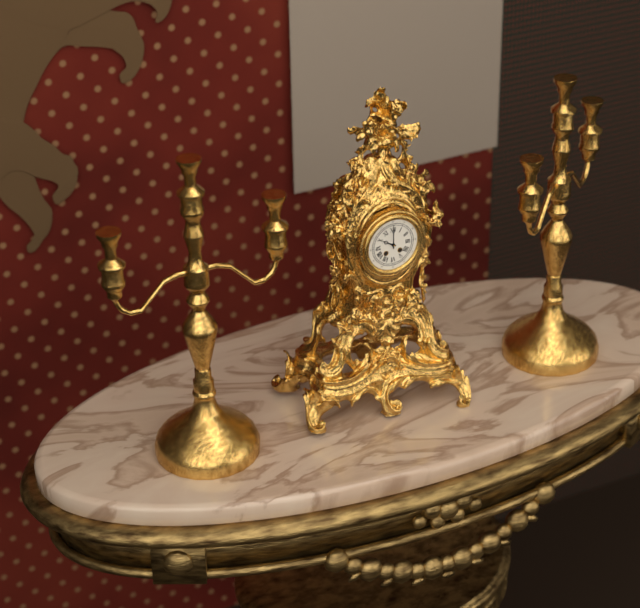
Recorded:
10,00
